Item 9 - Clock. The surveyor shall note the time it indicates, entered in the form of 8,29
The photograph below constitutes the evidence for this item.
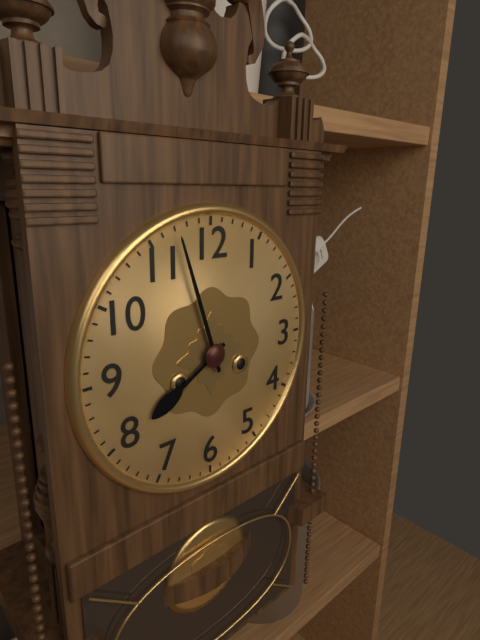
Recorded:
7,57
